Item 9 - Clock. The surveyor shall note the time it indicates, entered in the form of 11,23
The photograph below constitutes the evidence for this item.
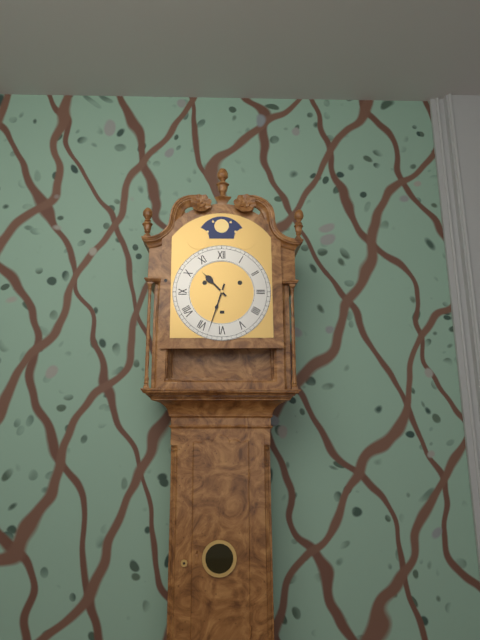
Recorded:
10,33
